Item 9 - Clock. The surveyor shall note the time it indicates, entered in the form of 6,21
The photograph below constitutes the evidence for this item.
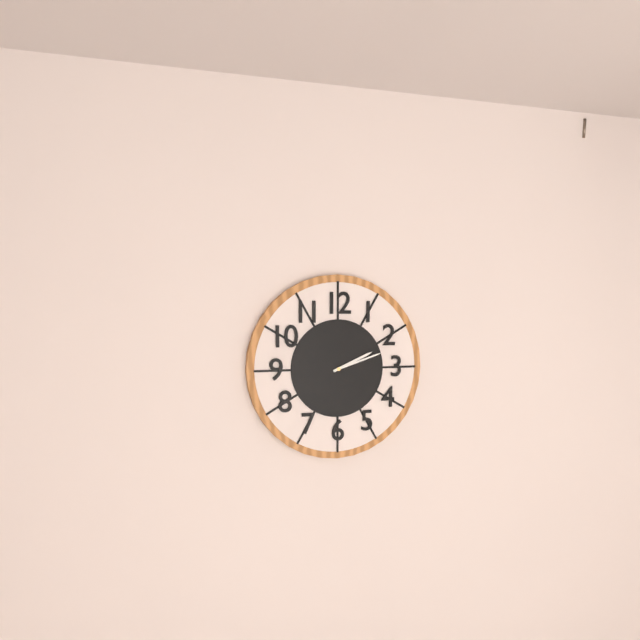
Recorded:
2,12
